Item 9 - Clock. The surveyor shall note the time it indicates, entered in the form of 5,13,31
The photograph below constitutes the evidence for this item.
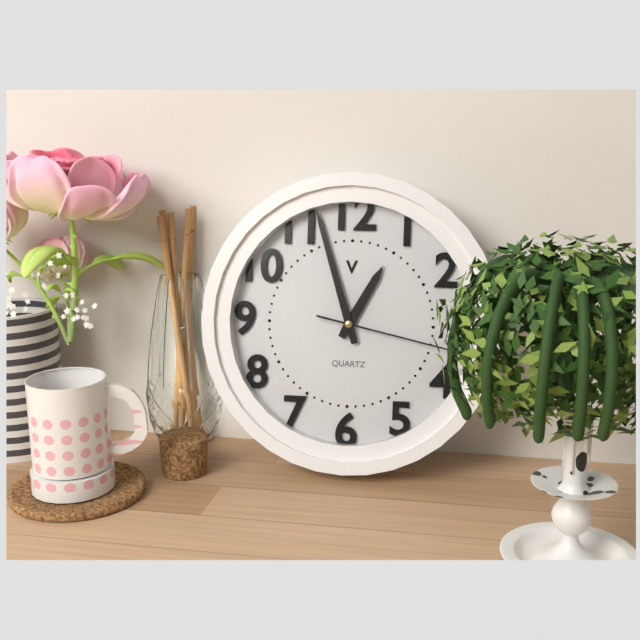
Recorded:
12,57,17
